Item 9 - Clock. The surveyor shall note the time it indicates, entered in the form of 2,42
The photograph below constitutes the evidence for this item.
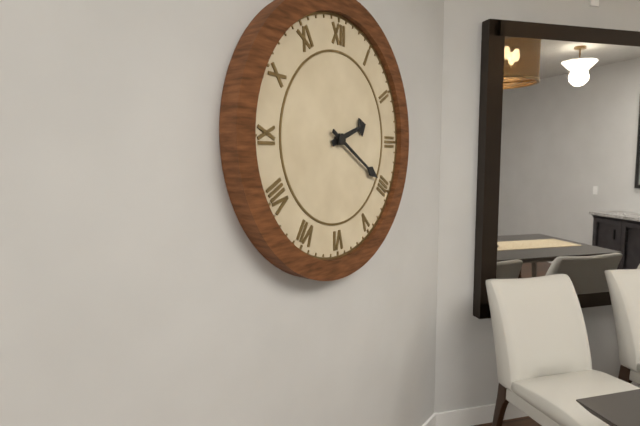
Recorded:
2,20
